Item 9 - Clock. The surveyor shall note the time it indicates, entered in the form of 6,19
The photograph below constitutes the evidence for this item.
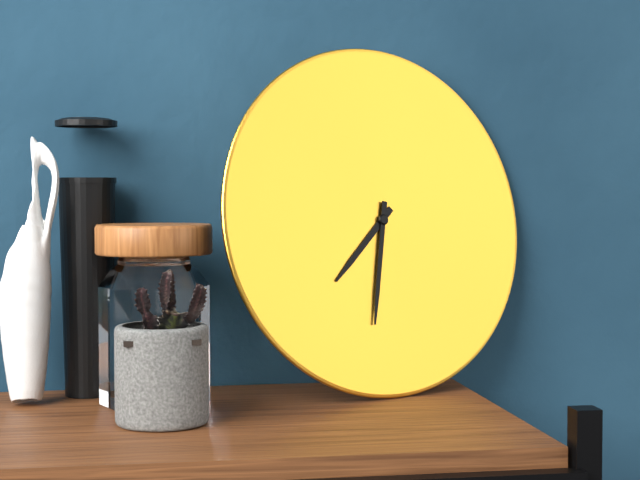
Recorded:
7,32
